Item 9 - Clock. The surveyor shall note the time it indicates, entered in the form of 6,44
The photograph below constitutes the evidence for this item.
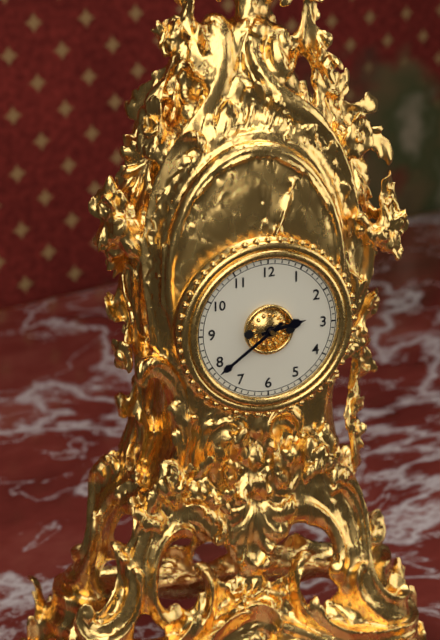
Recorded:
2,39
